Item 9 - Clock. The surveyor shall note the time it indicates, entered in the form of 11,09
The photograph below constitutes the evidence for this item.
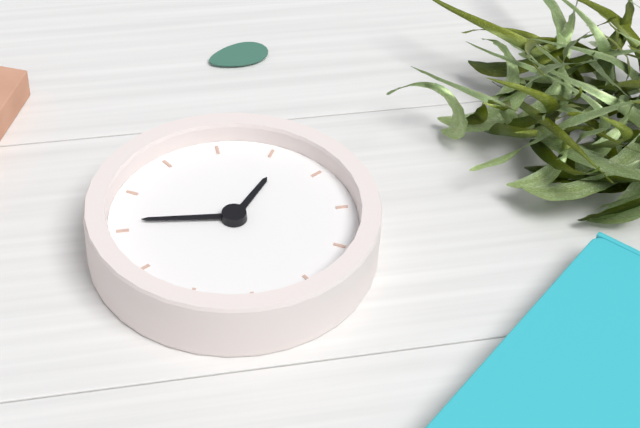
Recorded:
7,16
